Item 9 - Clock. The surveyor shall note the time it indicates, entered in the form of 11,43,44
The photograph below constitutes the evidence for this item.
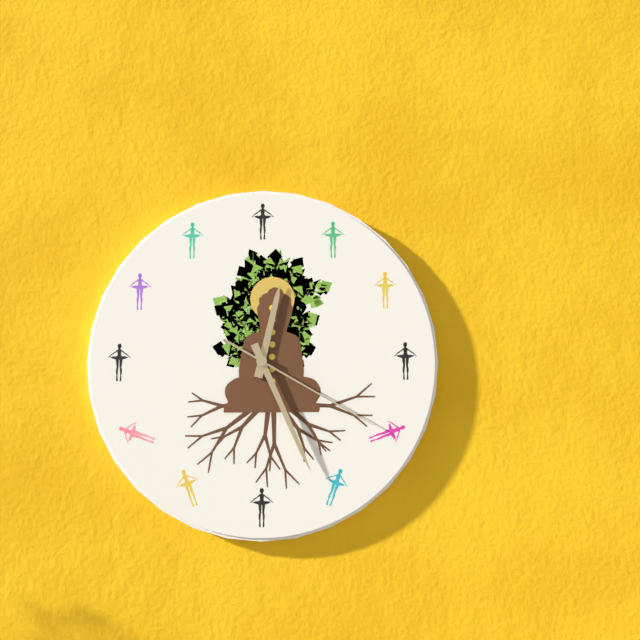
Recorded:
12,26,20
